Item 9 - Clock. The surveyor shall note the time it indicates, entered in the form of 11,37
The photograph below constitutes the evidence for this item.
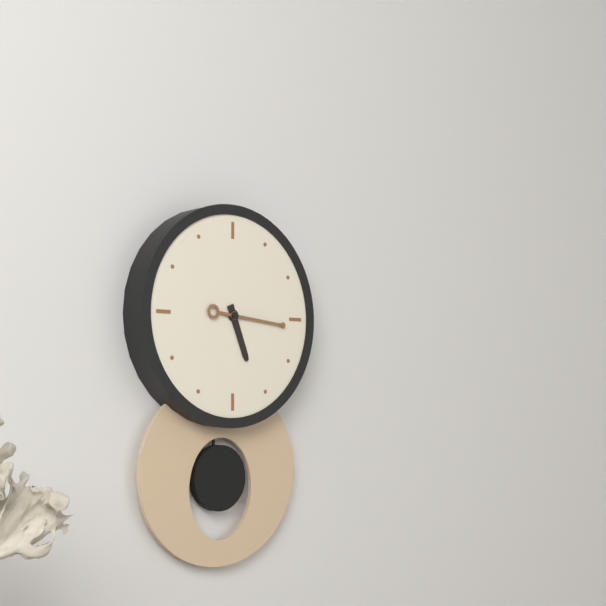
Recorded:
5,16
